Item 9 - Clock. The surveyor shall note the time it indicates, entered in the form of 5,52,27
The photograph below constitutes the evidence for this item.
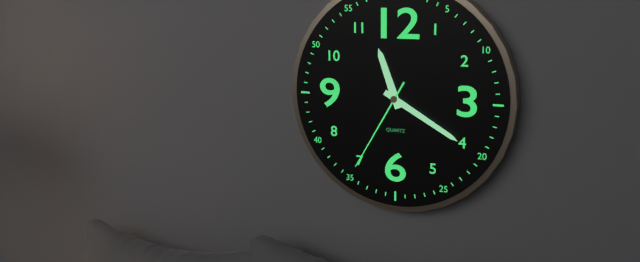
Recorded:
11,20,35
